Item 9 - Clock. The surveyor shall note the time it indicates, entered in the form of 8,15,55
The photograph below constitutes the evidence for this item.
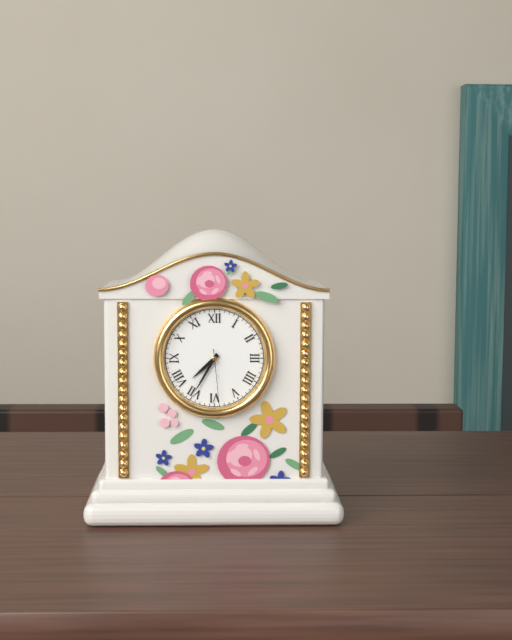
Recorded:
7,35,29
